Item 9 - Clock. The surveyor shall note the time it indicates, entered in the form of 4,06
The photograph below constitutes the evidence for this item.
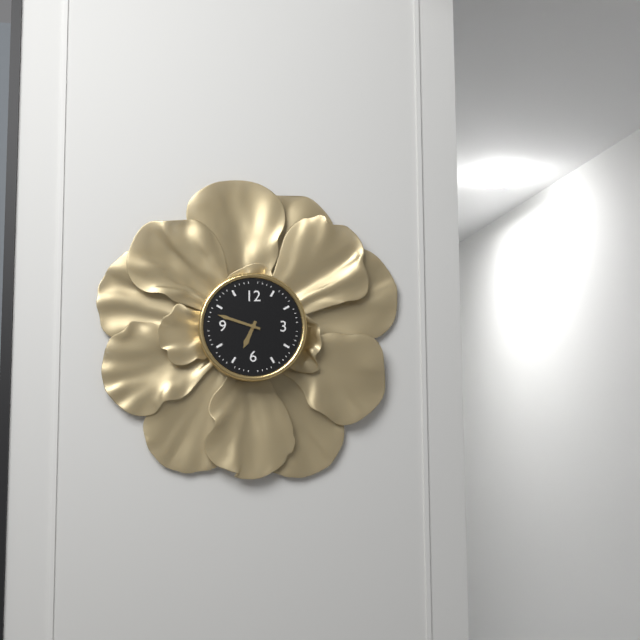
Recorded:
6,48
